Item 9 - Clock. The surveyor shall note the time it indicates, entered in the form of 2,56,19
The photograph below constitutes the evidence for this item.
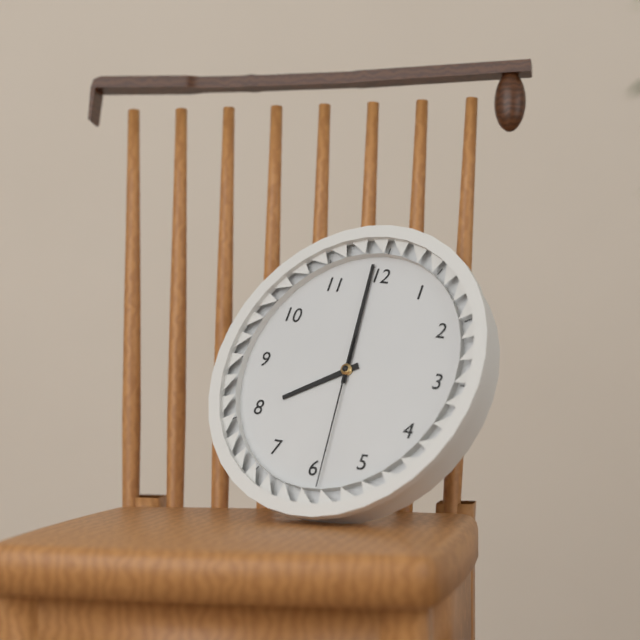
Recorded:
7,59,29
